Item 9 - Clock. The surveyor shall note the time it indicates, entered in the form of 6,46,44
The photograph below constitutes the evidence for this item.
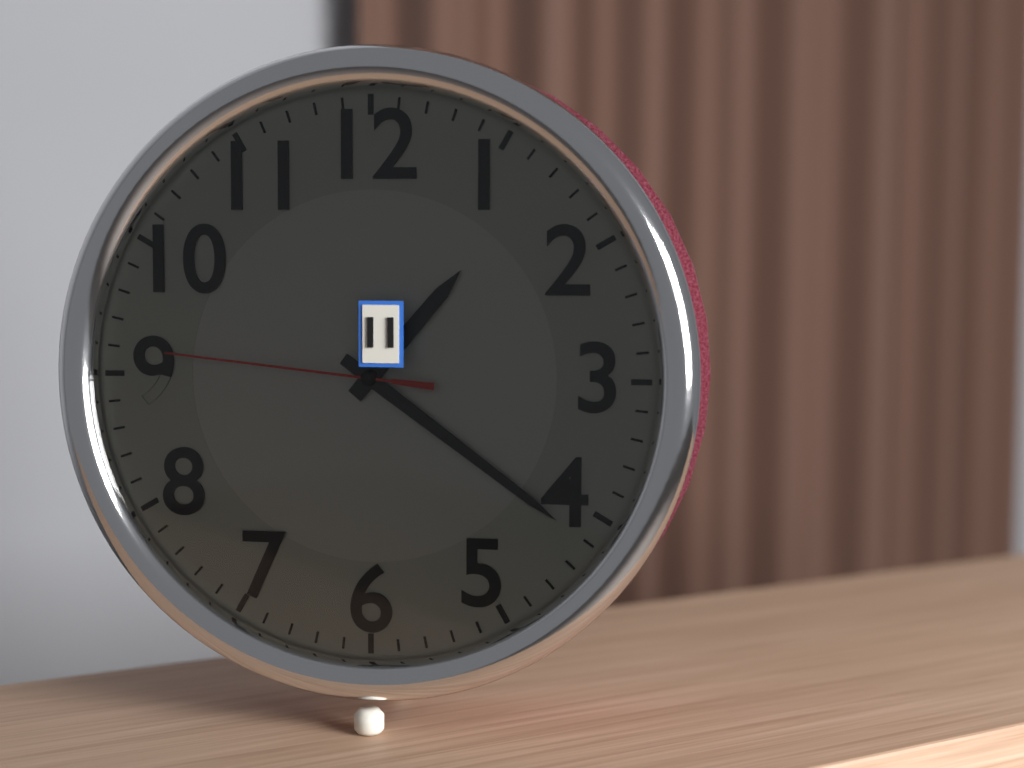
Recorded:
1,21,46
